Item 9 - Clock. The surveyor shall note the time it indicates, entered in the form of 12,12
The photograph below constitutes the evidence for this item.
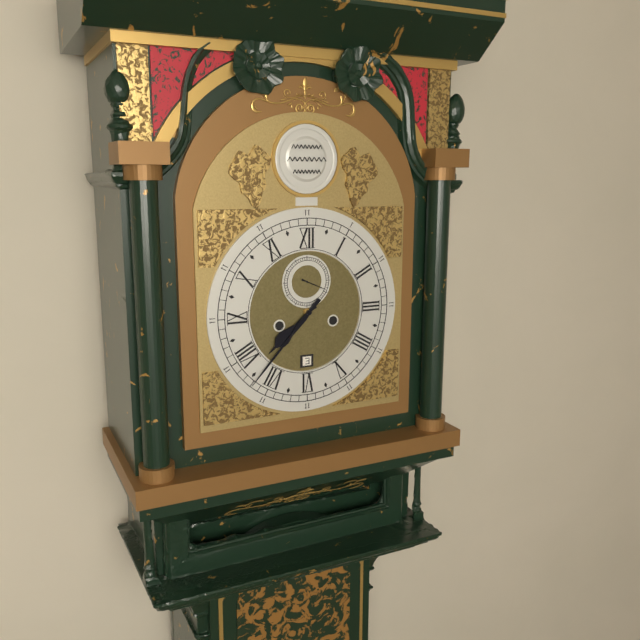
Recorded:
7,37
